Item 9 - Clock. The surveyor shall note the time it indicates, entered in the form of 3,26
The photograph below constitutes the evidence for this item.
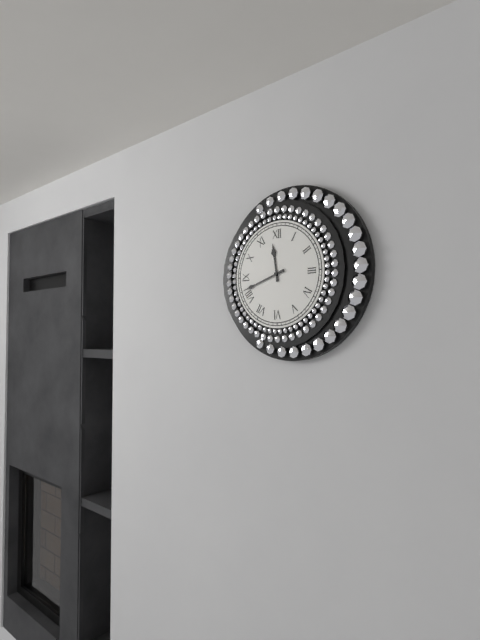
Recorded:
11,42
